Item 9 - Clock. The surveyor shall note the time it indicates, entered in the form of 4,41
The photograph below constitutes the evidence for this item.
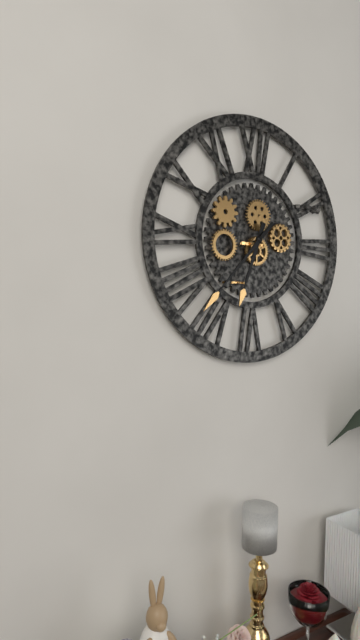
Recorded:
6,37
